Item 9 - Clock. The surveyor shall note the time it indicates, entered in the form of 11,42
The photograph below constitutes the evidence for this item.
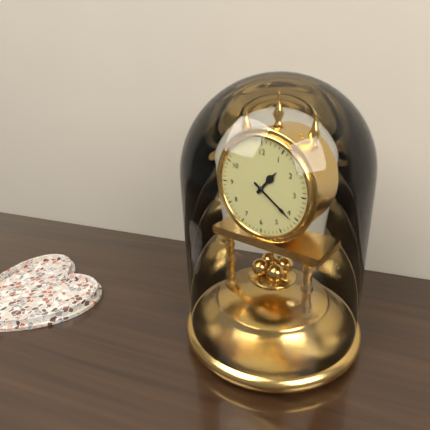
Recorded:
1,21
